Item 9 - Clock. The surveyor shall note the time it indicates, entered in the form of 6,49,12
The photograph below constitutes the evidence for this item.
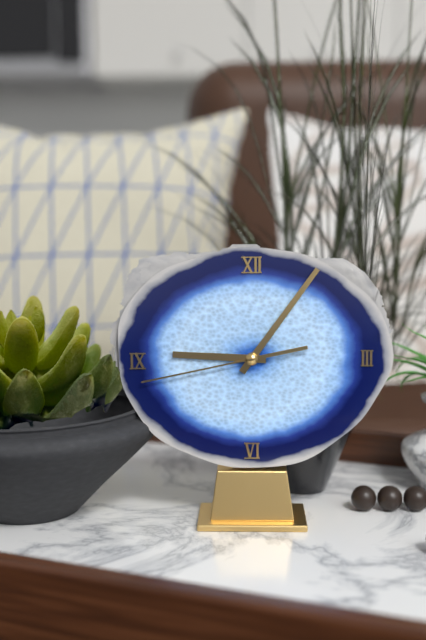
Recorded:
9,06,43
